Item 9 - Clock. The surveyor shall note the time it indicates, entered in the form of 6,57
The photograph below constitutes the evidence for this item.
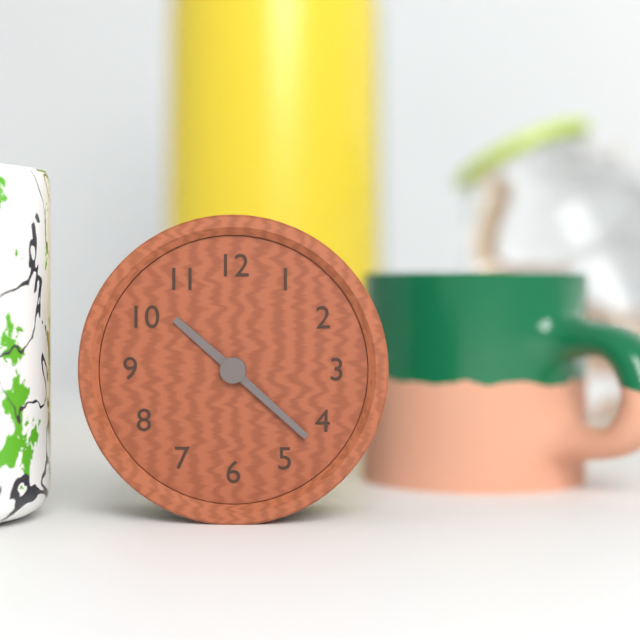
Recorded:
10,22
